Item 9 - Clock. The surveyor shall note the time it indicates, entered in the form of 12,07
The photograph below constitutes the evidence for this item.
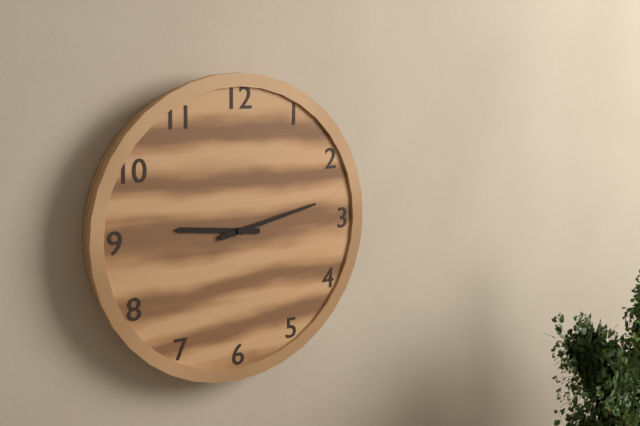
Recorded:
9,13
